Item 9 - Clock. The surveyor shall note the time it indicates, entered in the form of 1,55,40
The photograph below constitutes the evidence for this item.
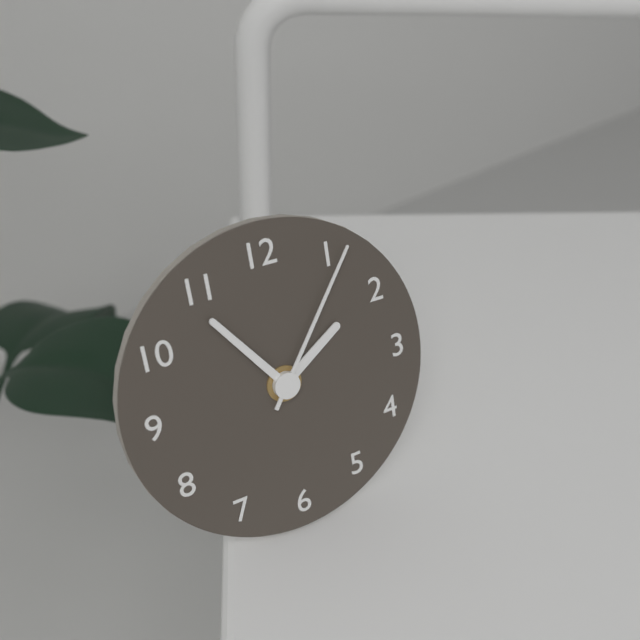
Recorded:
1,54,06
